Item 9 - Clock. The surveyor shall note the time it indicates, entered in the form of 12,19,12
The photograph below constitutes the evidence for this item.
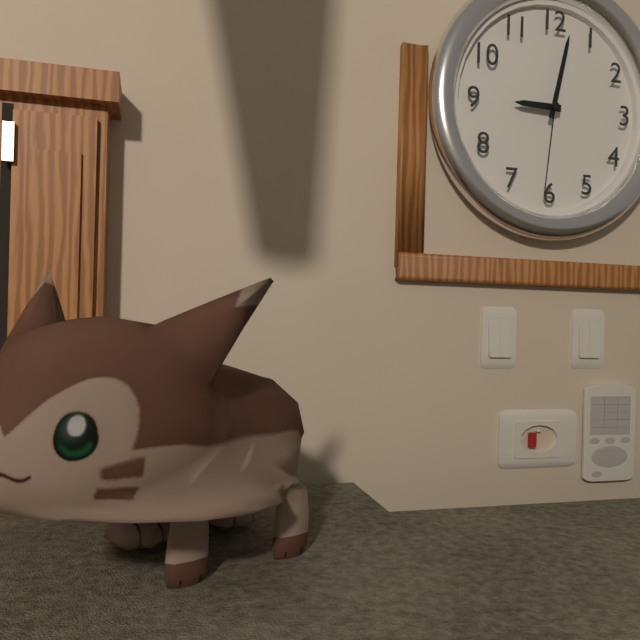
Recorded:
9,02,31
